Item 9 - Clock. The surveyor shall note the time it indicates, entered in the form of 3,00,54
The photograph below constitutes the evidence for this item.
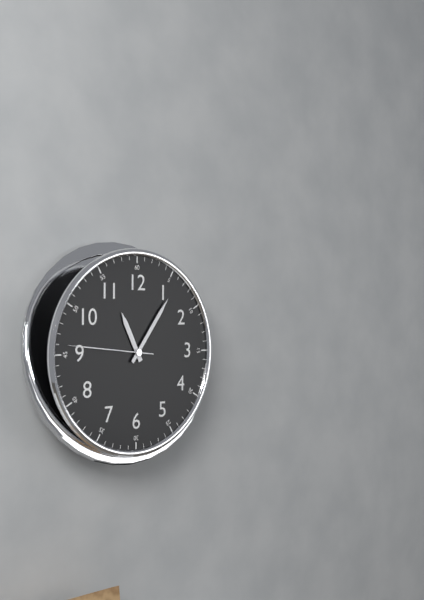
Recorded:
11,06,46
